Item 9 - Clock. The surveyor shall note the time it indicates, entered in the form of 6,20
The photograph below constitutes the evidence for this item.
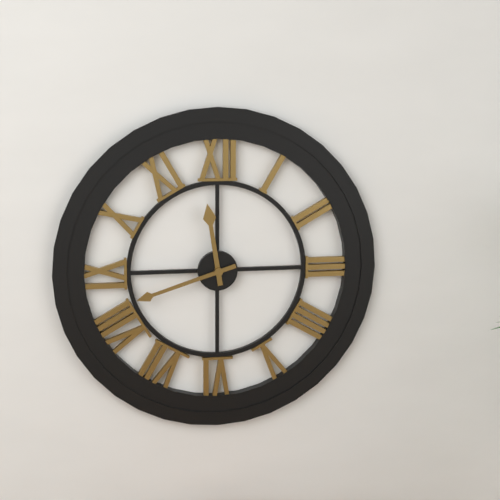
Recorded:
11,42
